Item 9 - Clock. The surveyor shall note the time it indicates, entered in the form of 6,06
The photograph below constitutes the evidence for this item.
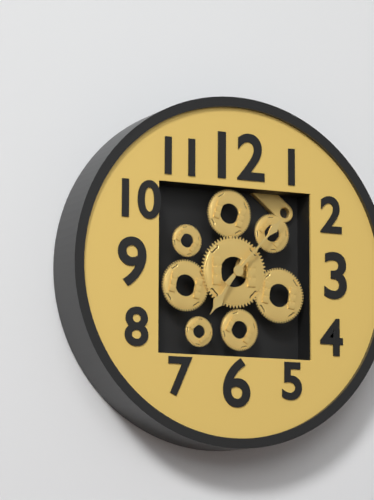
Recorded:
7,07
